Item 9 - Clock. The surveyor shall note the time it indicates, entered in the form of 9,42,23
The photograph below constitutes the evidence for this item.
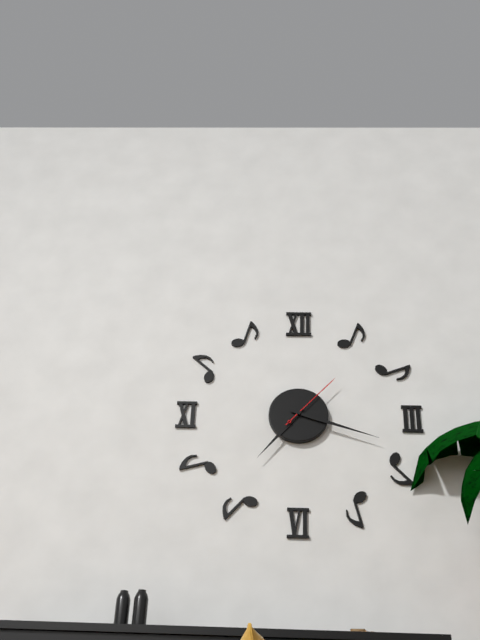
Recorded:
7,18,07
